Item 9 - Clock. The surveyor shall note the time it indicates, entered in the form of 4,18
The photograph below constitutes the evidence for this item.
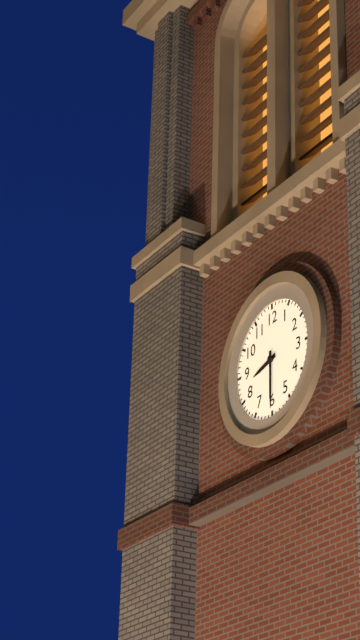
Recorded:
8,30
